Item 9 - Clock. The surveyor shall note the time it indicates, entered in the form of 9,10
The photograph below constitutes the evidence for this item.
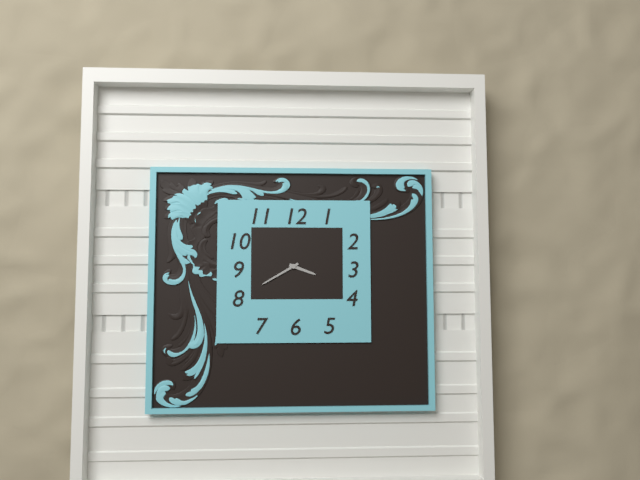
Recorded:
3,40
